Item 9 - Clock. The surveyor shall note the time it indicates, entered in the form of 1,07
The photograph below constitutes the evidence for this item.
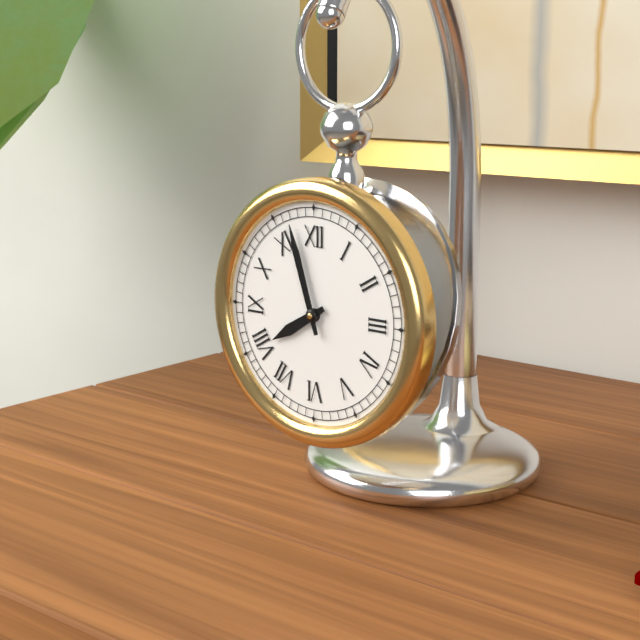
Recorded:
7,57
